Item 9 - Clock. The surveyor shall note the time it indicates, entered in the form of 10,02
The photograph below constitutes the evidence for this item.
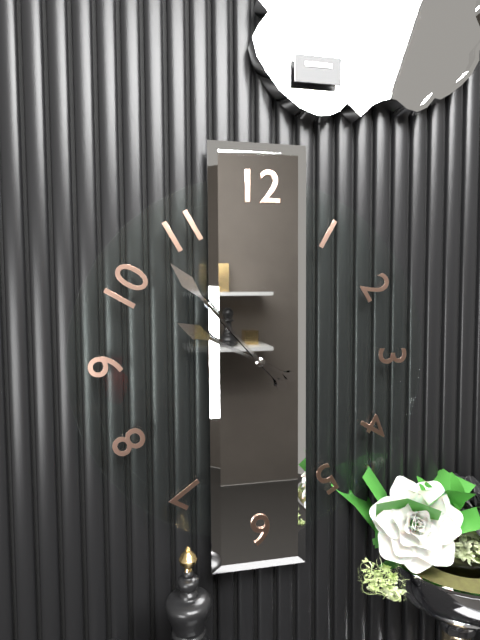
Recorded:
9,53
